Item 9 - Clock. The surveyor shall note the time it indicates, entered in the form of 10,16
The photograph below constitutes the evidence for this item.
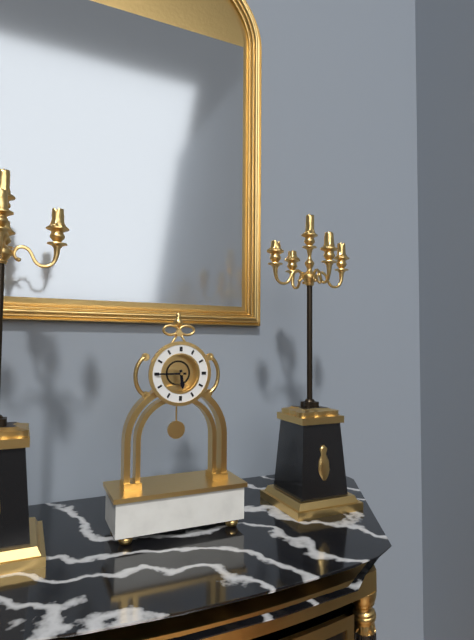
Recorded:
5,45
